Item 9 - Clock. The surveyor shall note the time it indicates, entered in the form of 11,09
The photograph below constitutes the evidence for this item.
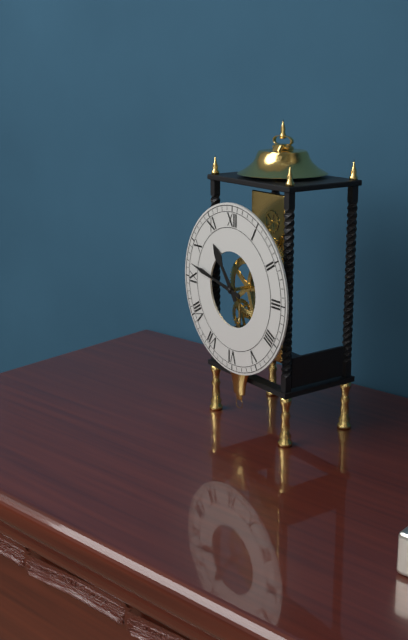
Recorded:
10,47
